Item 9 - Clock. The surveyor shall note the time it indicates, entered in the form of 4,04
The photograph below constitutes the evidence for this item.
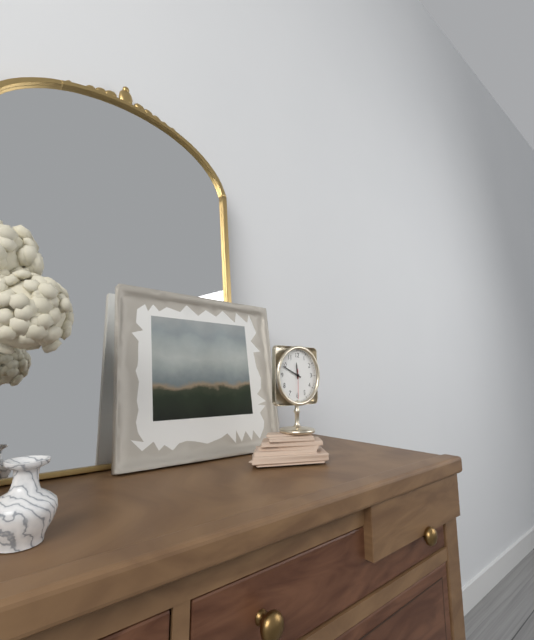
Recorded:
11,49
